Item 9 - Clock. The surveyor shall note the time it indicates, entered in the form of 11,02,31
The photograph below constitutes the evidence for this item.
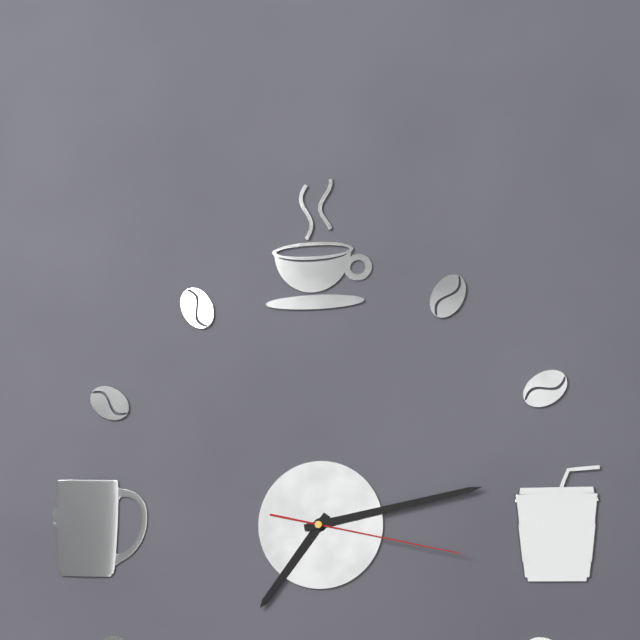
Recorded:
7,13,17
